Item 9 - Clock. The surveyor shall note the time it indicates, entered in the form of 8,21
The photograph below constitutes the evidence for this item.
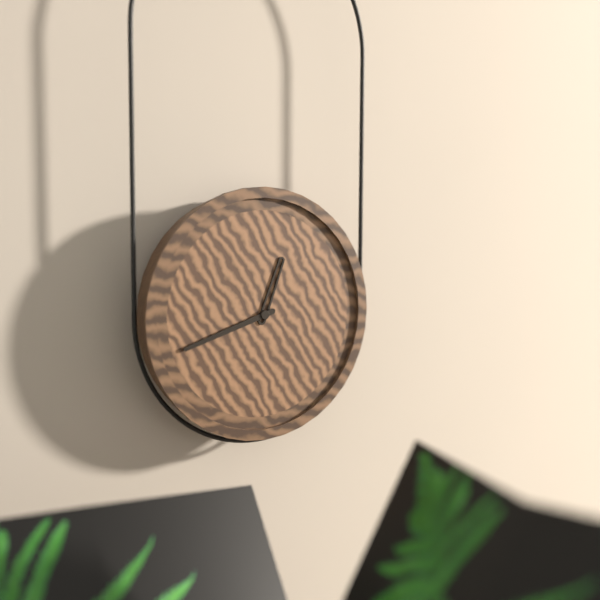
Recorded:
12,42
